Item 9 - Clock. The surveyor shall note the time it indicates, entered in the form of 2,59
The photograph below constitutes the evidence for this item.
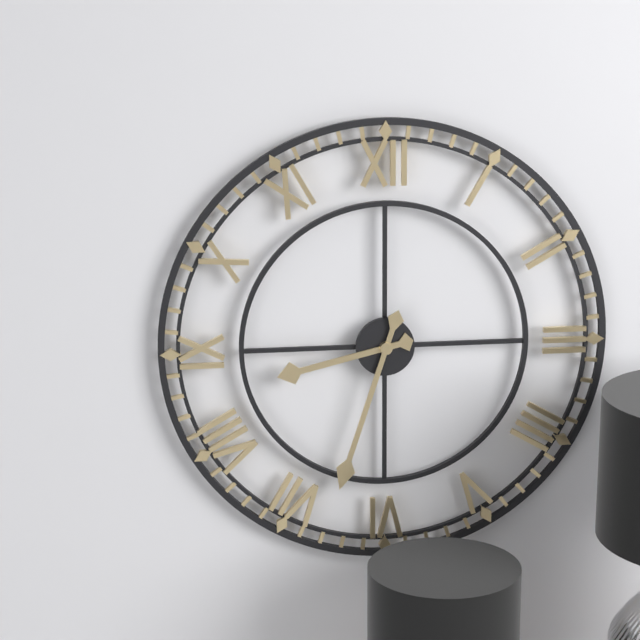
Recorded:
8,33
